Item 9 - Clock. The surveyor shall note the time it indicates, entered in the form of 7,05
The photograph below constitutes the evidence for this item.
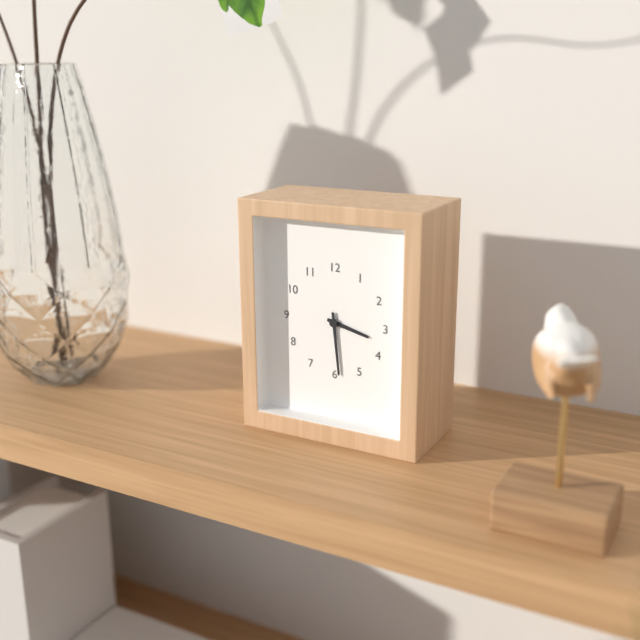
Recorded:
3,29
